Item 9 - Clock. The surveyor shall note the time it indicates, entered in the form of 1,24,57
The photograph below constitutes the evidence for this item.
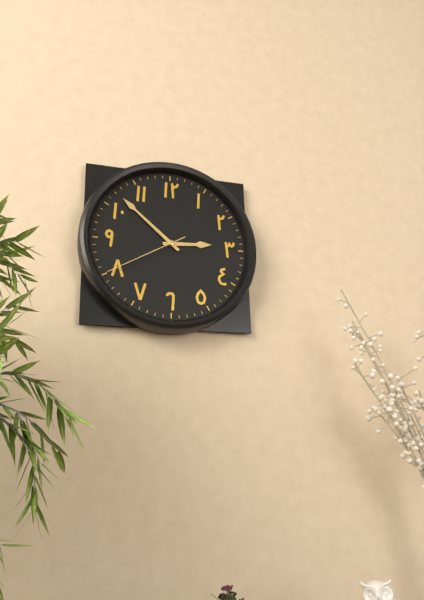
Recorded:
2,52,40
